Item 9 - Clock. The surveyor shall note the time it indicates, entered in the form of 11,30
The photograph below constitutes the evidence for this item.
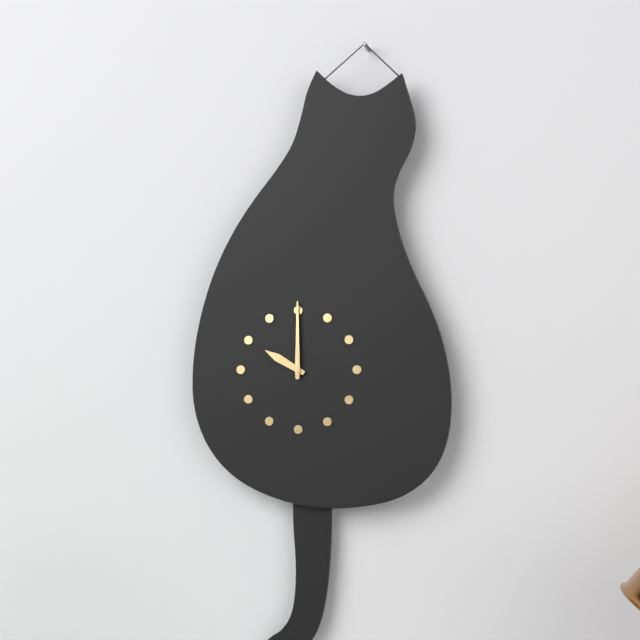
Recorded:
10,00
